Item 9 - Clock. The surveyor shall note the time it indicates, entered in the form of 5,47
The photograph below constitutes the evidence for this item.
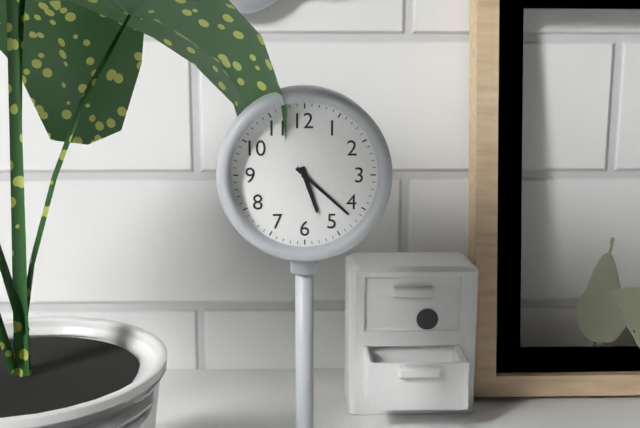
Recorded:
5,22
